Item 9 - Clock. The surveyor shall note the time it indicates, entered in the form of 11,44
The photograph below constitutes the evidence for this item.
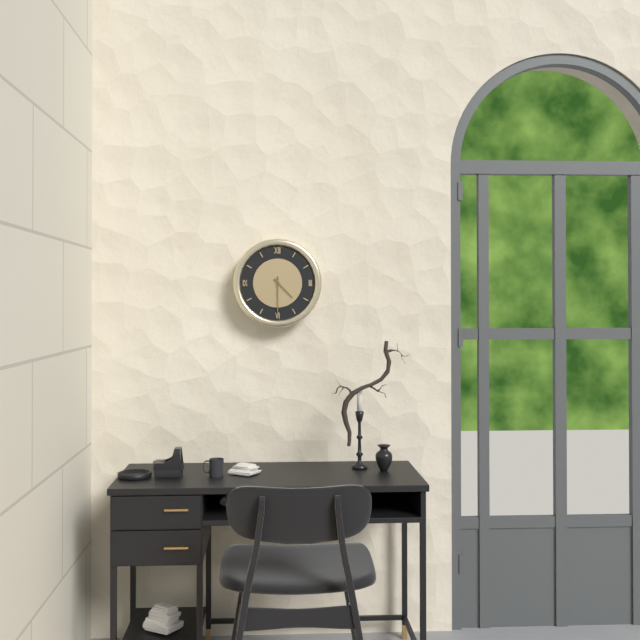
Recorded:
4,30
